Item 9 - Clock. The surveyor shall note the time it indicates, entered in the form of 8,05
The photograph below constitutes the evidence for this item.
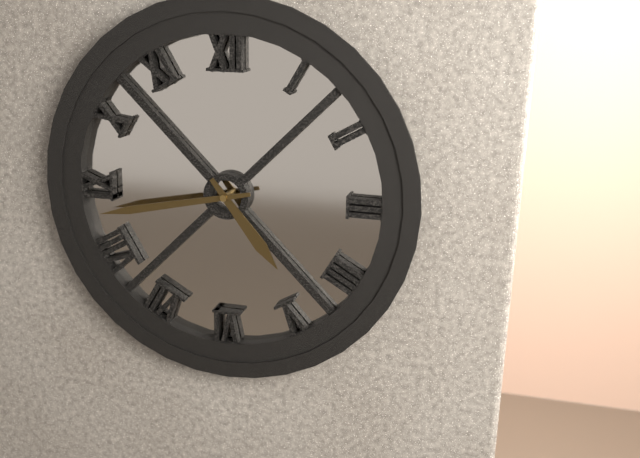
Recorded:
4,43
